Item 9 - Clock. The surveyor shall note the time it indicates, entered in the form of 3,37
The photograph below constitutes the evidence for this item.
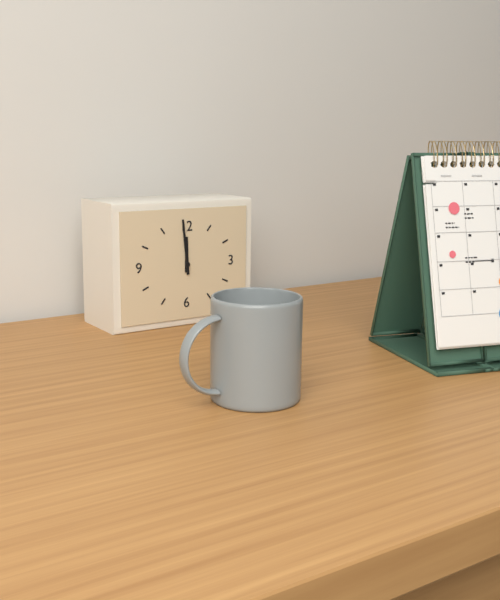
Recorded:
11,59
